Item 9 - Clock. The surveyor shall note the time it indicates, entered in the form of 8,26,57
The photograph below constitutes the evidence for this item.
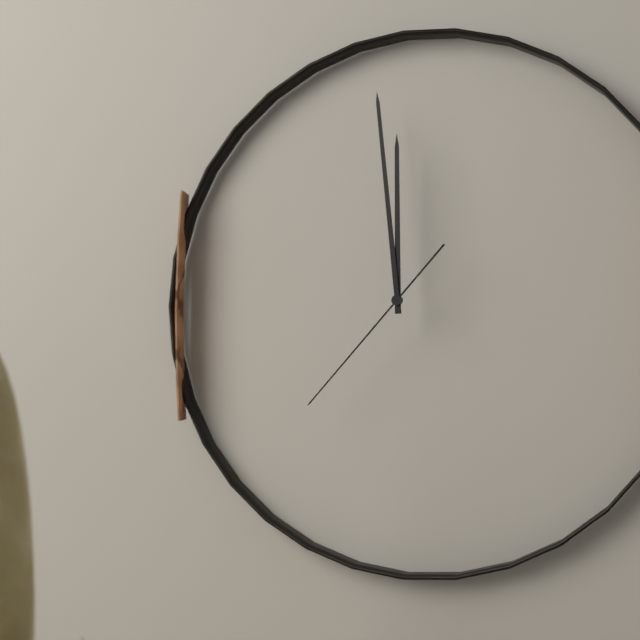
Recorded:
11,59,37
